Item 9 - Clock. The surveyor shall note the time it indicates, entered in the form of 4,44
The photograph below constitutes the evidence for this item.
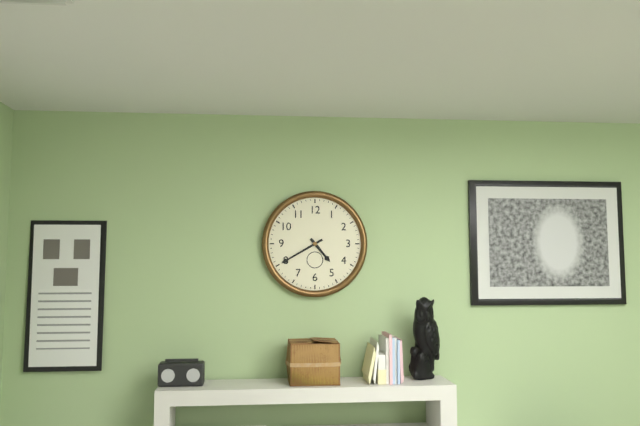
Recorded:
4,40
